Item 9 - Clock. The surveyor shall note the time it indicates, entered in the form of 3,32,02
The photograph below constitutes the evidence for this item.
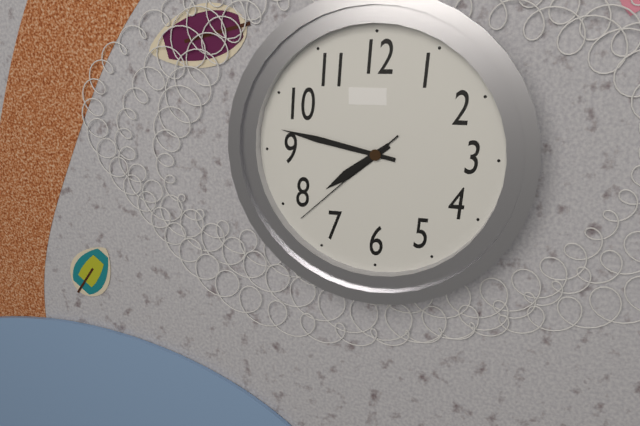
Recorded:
7,47,38
